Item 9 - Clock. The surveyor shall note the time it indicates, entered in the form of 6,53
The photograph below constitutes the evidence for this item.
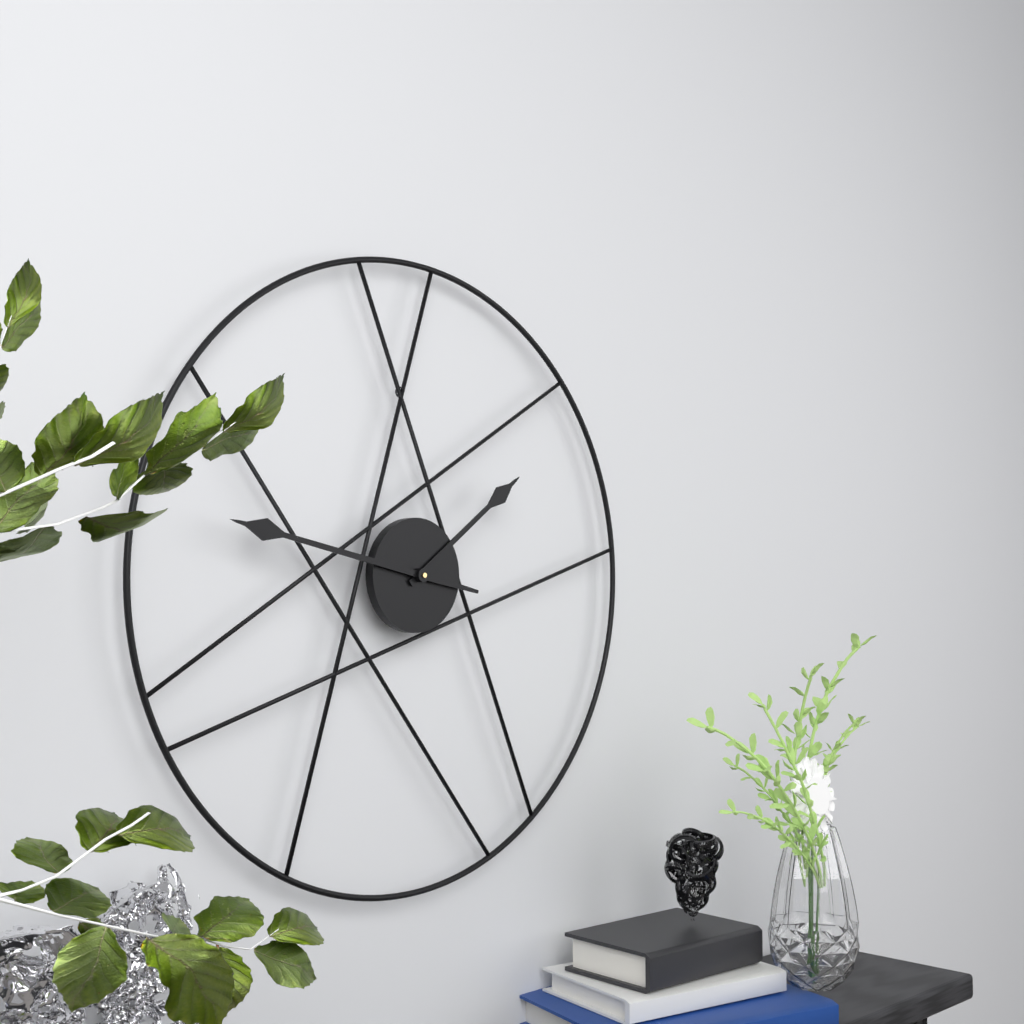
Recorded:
1,47
